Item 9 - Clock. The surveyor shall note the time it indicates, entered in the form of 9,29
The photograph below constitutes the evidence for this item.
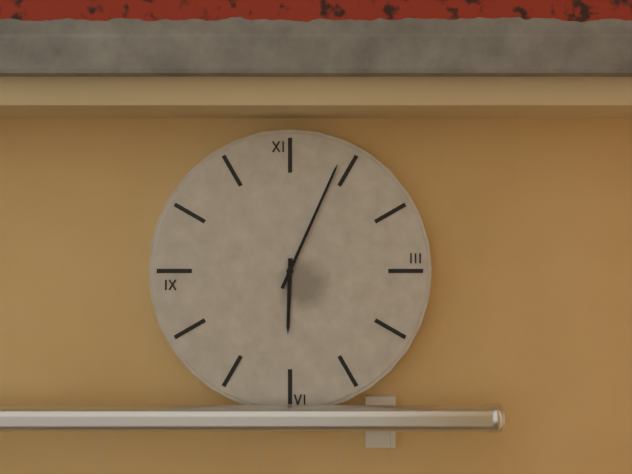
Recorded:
6,04
